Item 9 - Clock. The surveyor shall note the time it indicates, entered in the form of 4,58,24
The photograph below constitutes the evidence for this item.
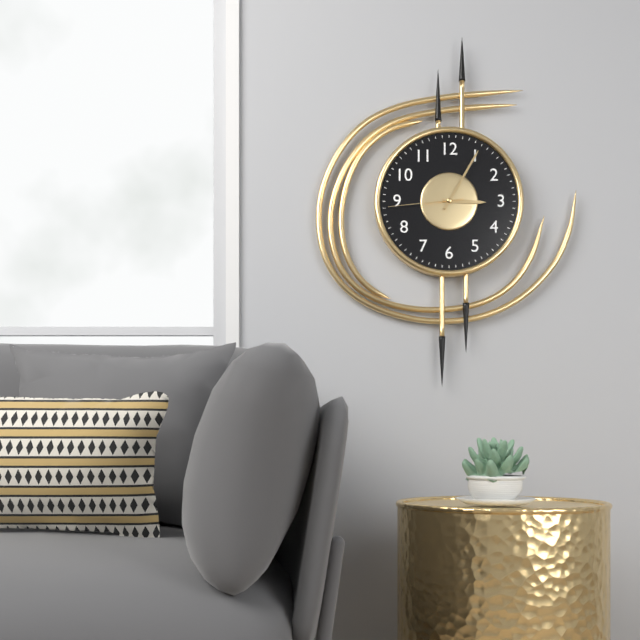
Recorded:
3,05,44
